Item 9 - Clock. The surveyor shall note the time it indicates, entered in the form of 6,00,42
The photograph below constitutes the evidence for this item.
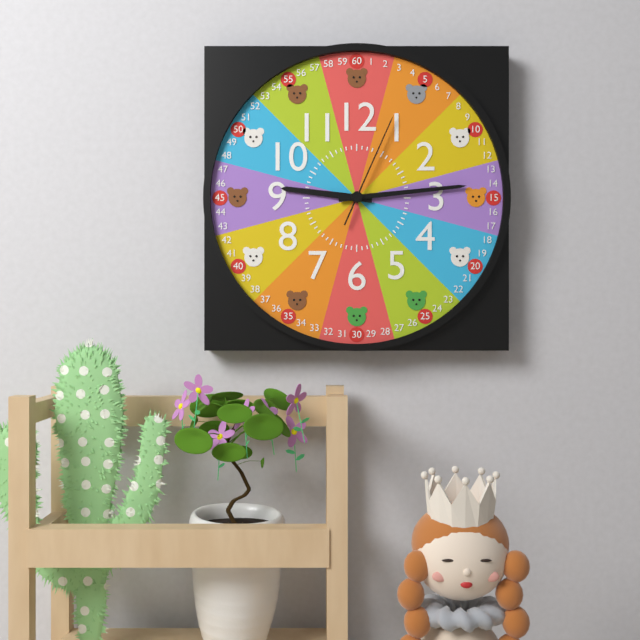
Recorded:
9,14,04
